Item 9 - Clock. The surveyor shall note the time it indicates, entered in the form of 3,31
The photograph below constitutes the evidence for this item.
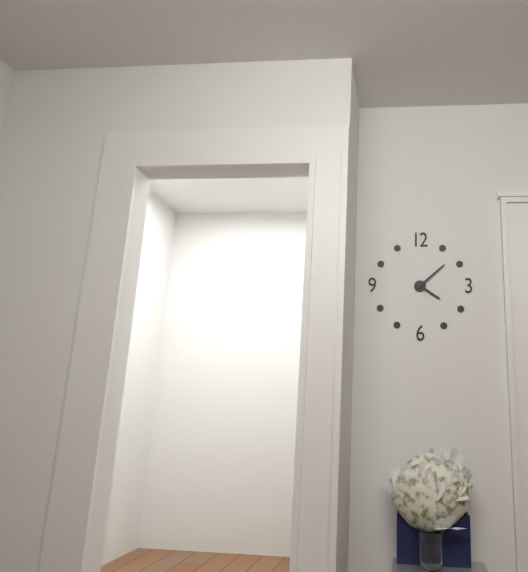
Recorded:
4,08
